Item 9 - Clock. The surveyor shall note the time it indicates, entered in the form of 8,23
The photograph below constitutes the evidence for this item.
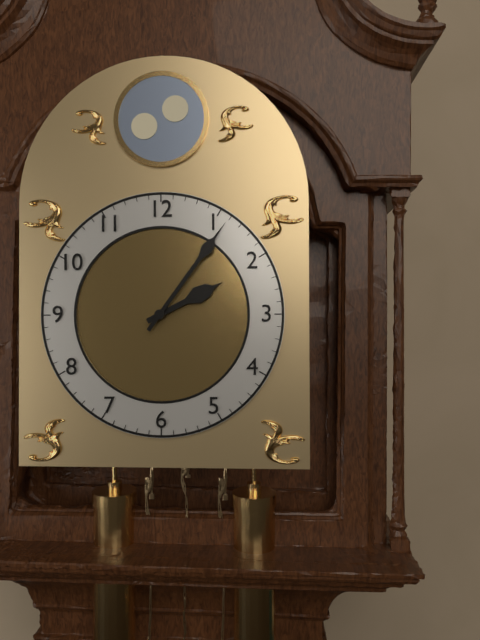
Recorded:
2,06
